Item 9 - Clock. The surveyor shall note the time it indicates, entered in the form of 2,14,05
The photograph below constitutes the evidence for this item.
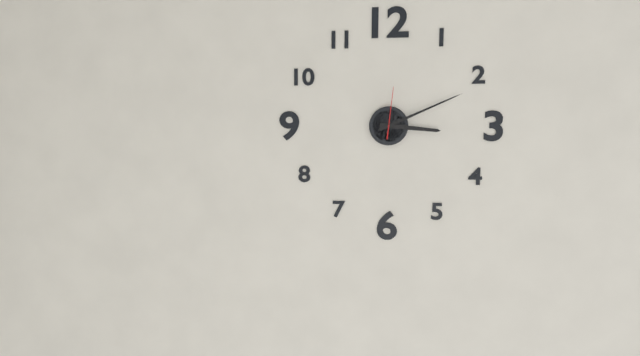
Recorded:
3,11,01
